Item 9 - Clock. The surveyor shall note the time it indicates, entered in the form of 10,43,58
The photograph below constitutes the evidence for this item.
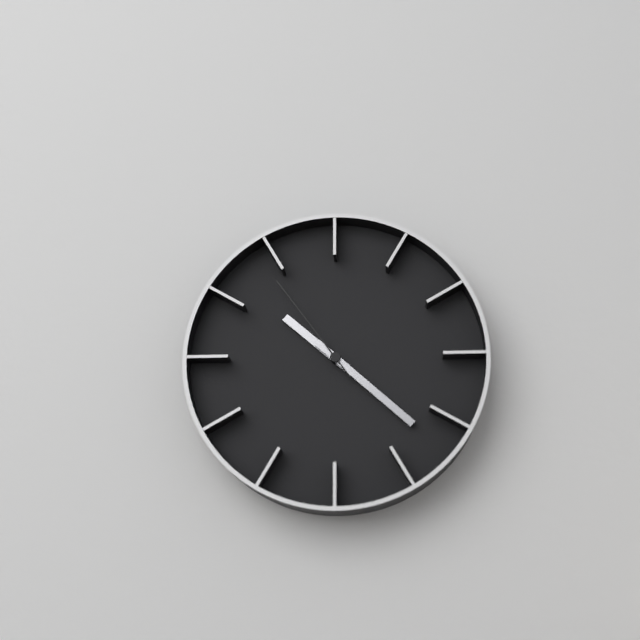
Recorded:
10,22,54
